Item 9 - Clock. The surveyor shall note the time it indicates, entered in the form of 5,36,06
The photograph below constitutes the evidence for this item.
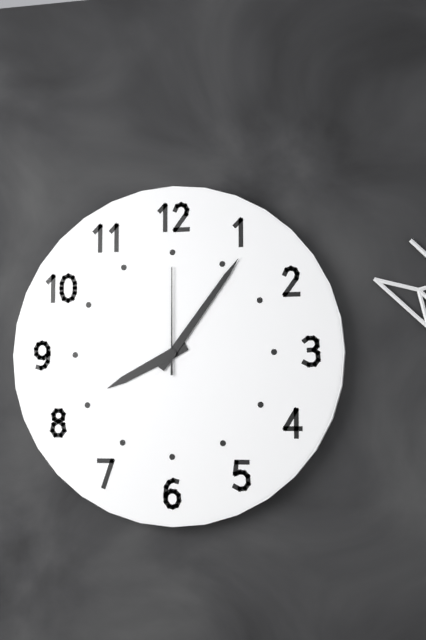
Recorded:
8,06,00
